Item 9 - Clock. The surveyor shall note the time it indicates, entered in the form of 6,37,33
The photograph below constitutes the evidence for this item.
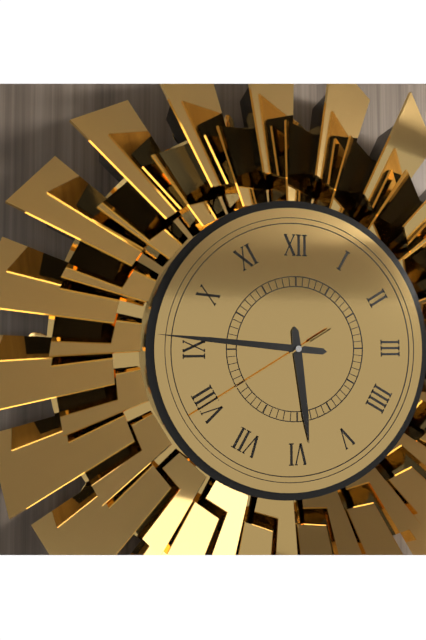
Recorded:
5,46,40
